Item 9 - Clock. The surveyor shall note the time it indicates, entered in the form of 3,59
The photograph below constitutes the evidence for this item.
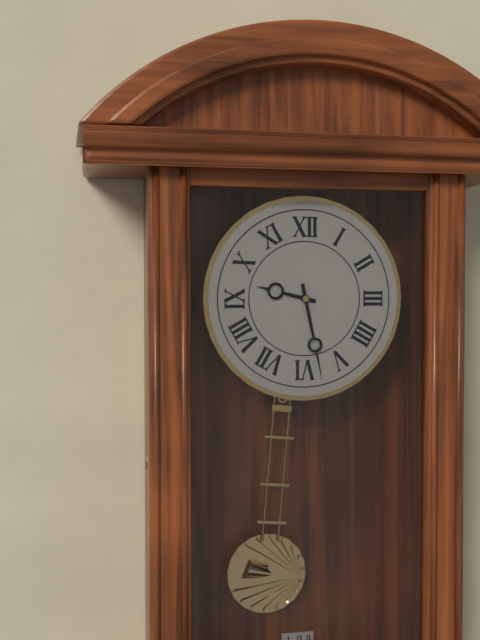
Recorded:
9,28
